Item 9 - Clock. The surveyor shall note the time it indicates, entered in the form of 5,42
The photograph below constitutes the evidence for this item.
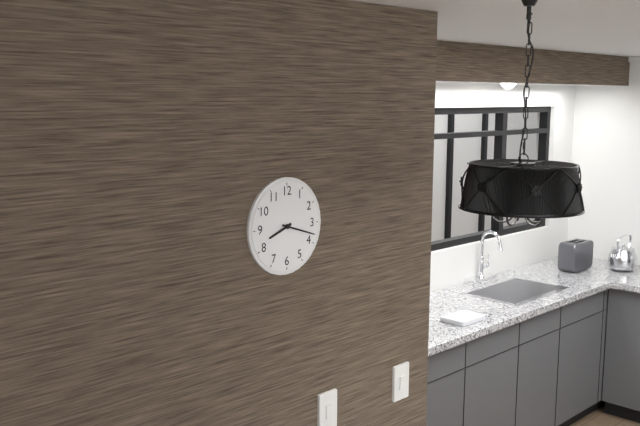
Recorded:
8,18
